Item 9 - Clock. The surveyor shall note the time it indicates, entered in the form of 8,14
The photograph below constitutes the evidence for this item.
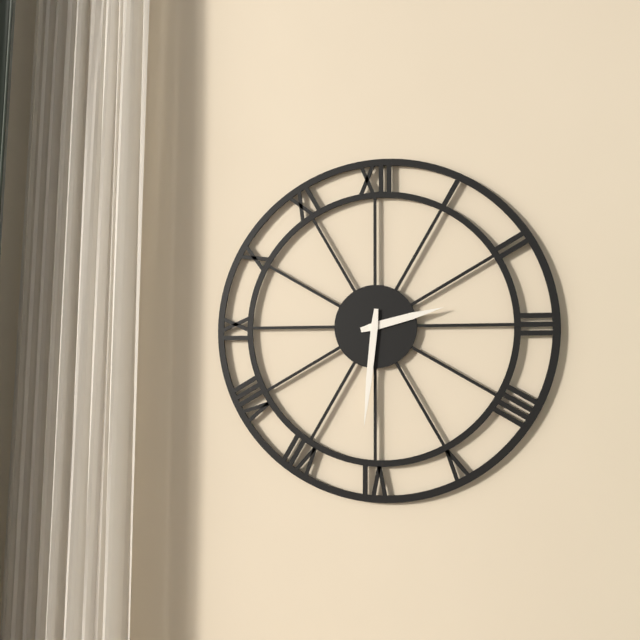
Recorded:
2,31
